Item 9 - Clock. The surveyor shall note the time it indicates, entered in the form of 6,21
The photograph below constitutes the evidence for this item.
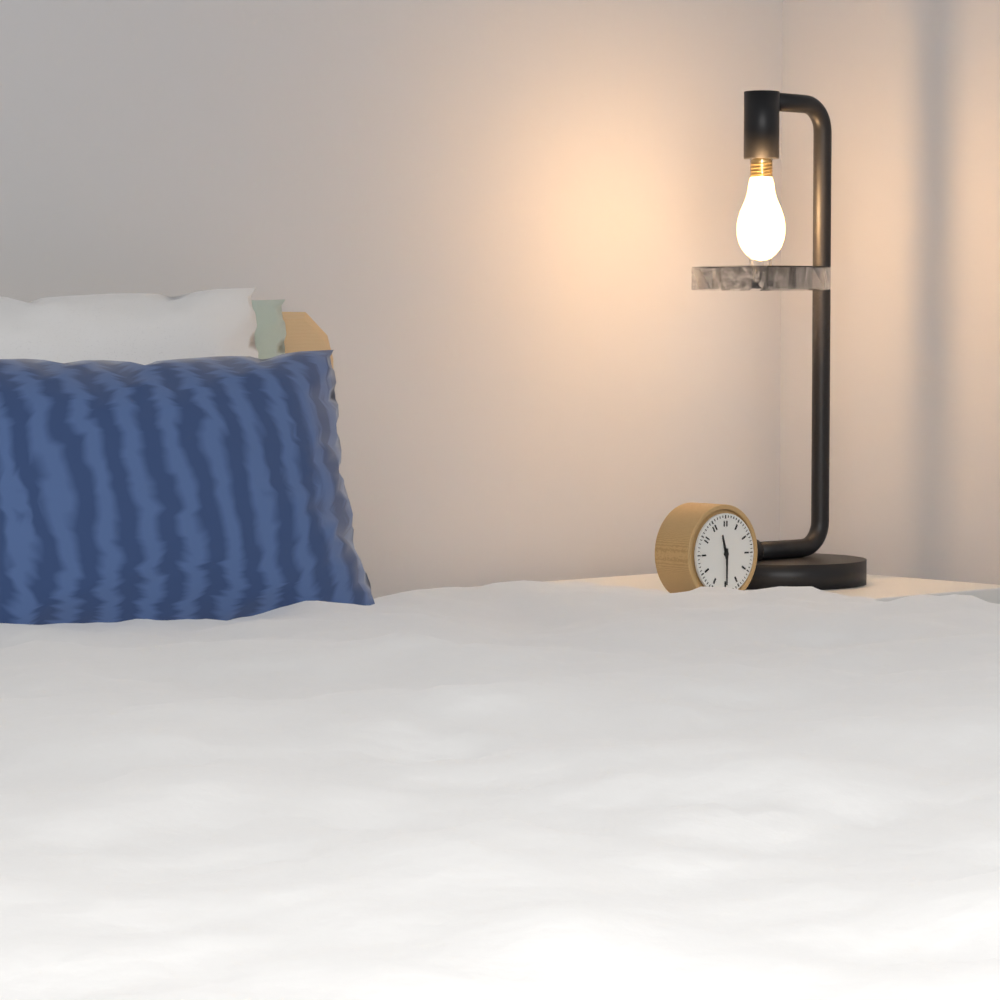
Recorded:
11,30
